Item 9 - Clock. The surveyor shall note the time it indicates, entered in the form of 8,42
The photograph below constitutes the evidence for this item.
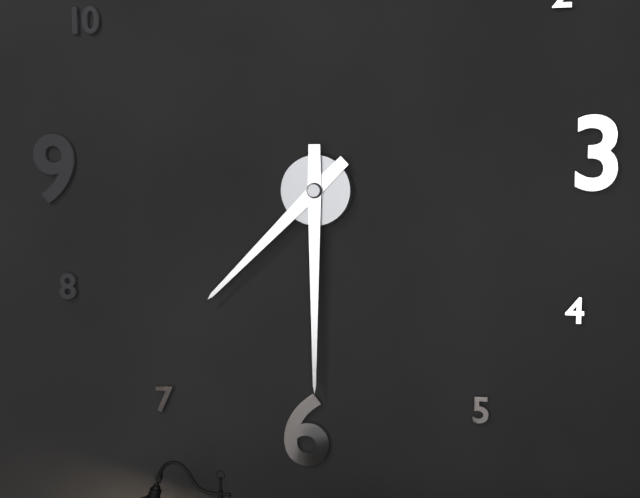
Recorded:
7,30
